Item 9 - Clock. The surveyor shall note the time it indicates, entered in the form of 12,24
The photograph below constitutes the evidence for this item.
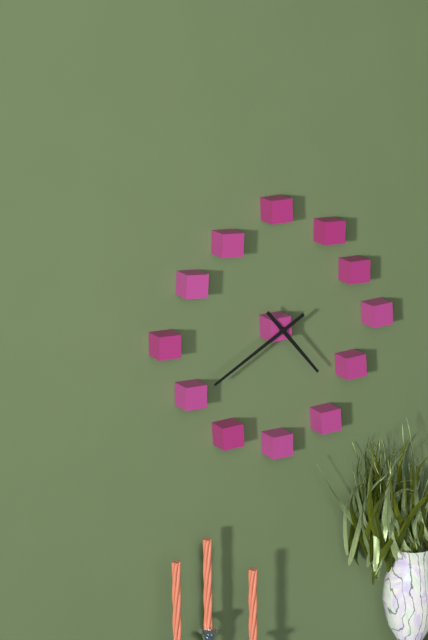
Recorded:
4,40
